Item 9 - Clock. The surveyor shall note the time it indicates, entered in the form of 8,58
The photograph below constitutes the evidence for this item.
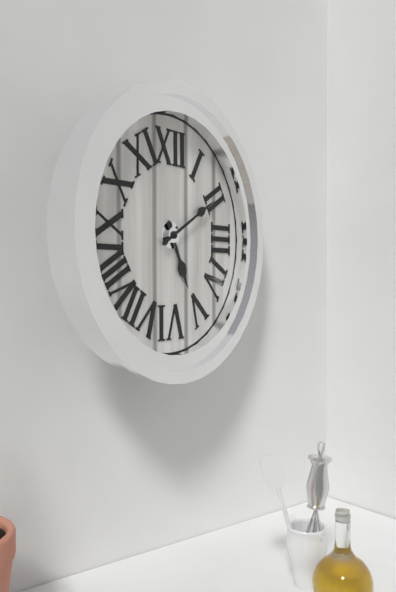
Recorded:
5,10
